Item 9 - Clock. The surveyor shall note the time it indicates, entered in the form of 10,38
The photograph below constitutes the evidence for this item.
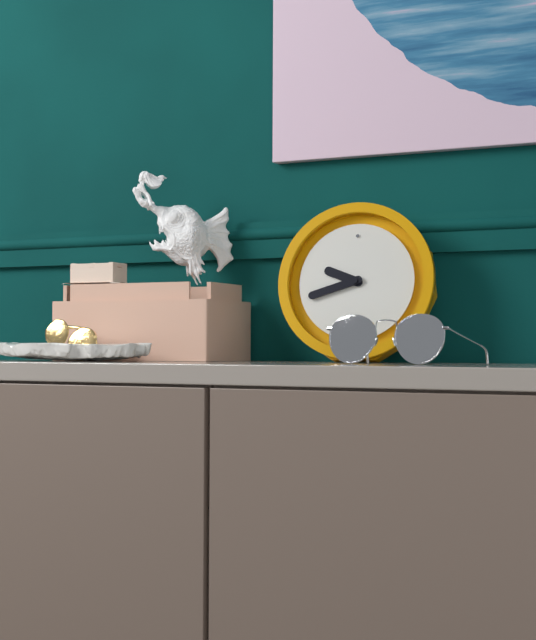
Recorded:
9,42
